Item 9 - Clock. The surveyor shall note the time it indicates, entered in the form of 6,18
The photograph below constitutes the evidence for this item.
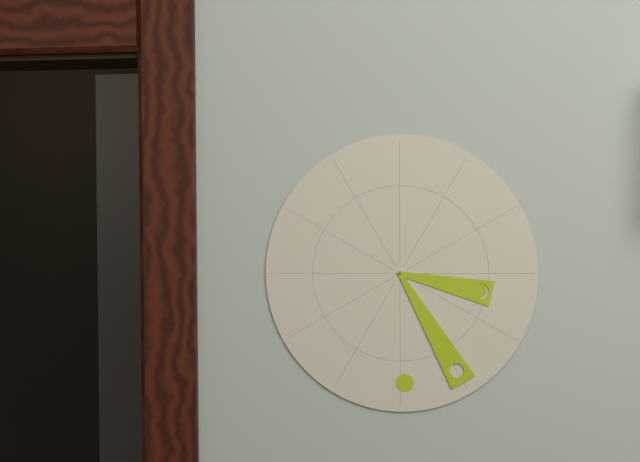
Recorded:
3,25
